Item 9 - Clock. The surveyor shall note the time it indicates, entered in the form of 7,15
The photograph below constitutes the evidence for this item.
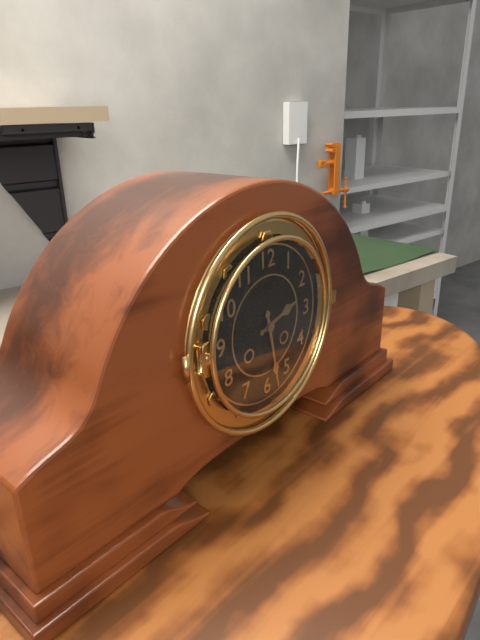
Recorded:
2,28
